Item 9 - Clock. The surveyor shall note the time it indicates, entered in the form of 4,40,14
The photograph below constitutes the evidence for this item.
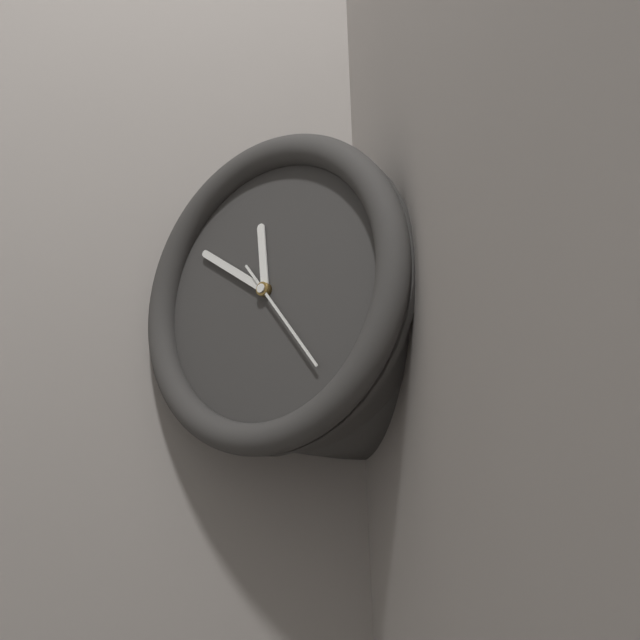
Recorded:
11,51,24
